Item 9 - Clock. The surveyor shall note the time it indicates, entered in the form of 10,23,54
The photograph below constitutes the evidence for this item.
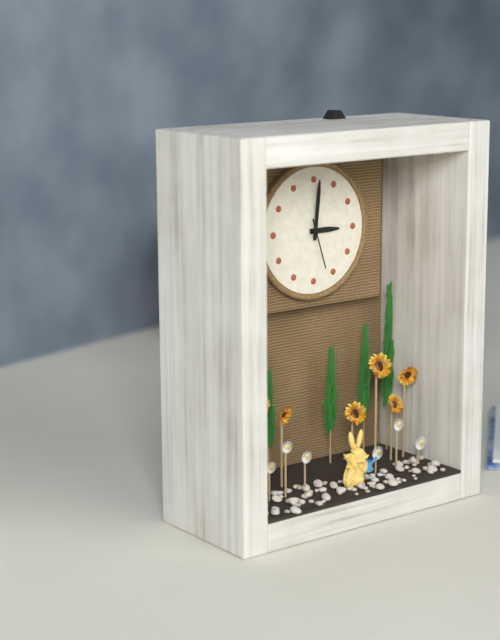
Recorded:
3,01,27
